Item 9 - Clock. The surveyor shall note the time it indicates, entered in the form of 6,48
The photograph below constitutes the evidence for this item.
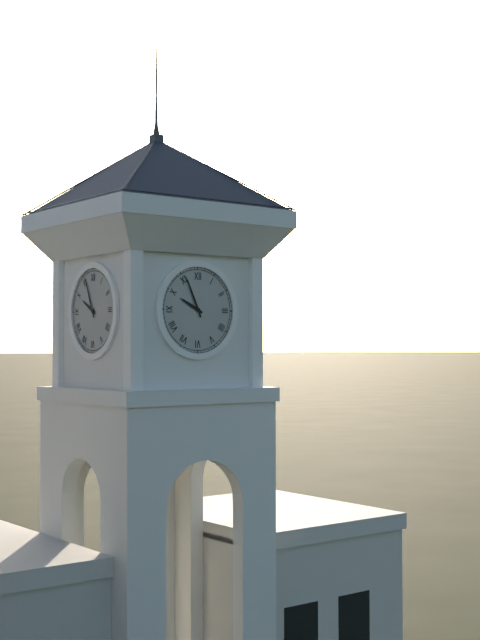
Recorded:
9,56
